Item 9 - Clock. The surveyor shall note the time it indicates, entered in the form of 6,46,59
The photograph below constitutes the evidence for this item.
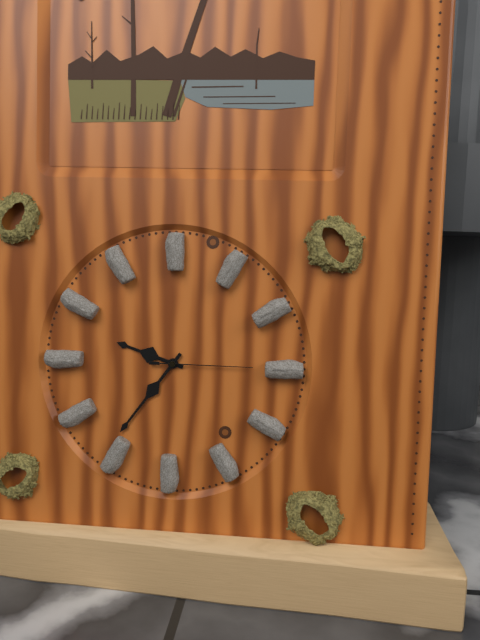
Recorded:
9,36,15
